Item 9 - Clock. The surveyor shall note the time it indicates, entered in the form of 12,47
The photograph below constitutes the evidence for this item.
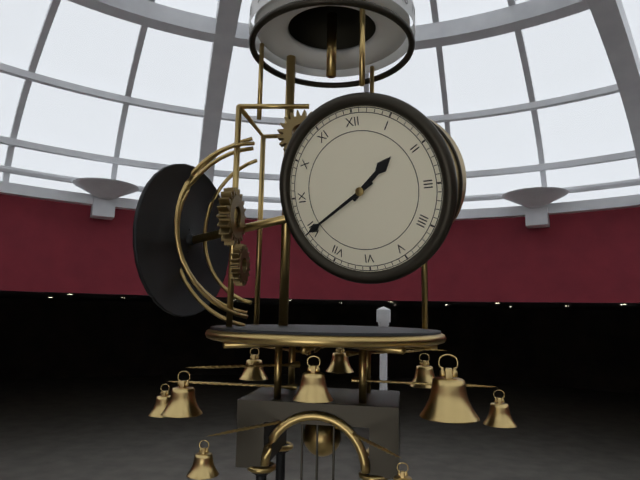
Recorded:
1,40
